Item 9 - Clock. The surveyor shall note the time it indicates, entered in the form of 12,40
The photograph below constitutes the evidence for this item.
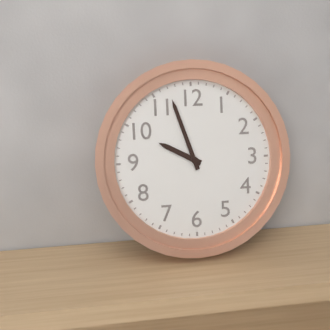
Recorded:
9,57
